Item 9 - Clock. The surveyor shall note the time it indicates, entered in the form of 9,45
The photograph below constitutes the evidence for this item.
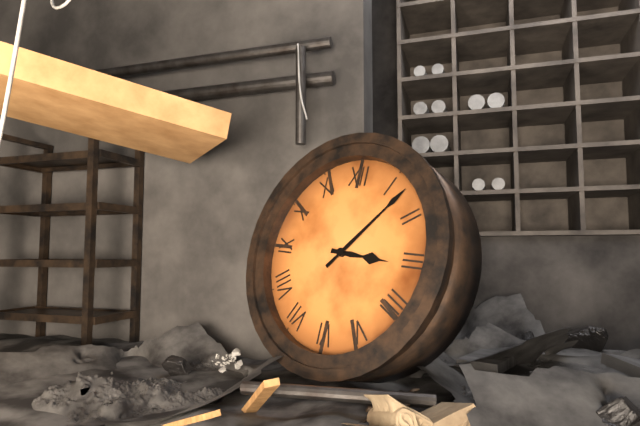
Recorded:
3,07
